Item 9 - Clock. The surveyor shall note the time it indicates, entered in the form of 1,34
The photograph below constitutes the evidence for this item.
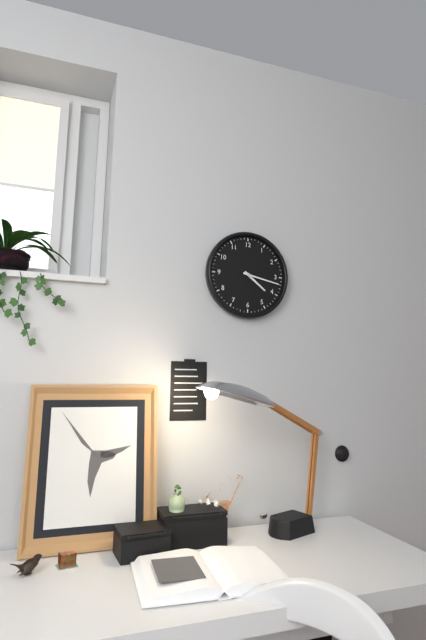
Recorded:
4,17
